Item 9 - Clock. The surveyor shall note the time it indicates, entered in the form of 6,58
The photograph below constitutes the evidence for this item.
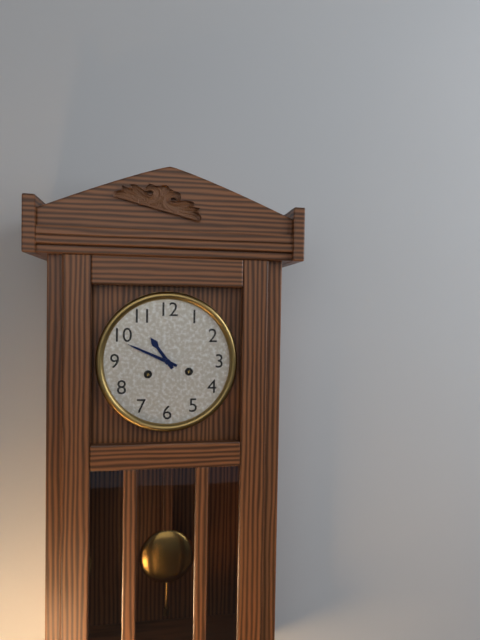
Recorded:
10,49
